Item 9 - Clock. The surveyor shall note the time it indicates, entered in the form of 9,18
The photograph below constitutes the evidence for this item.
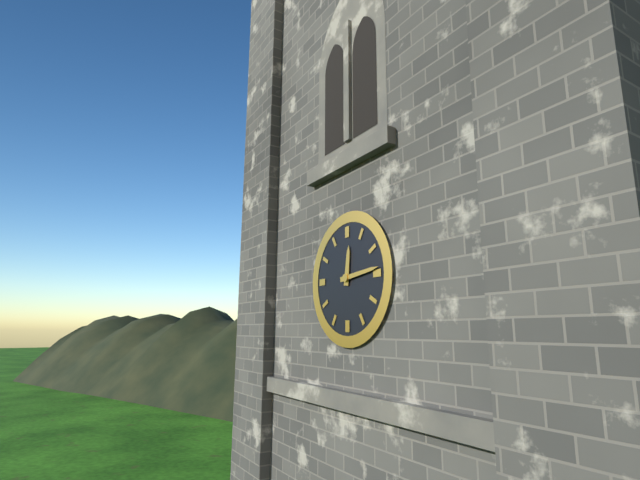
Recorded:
12,14
